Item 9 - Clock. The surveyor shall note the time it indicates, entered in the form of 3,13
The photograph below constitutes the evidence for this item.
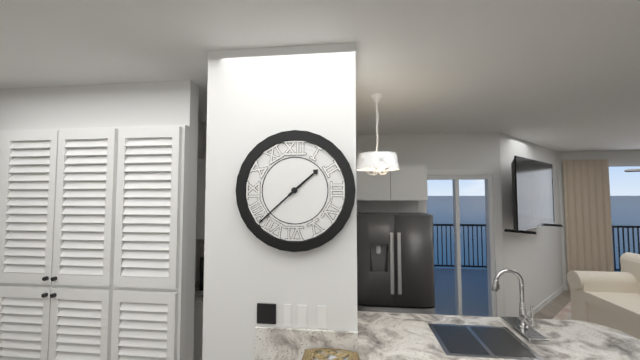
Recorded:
1,38
